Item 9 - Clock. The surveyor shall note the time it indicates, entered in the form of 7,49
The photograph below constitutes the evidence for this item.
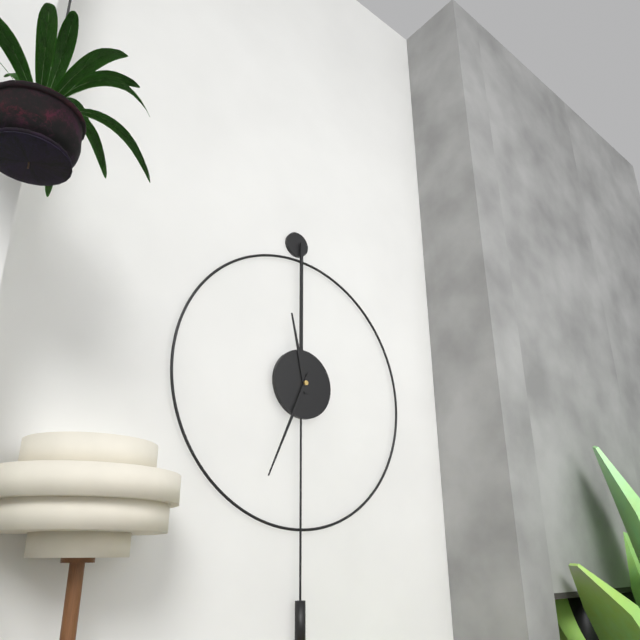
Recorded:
11,34
